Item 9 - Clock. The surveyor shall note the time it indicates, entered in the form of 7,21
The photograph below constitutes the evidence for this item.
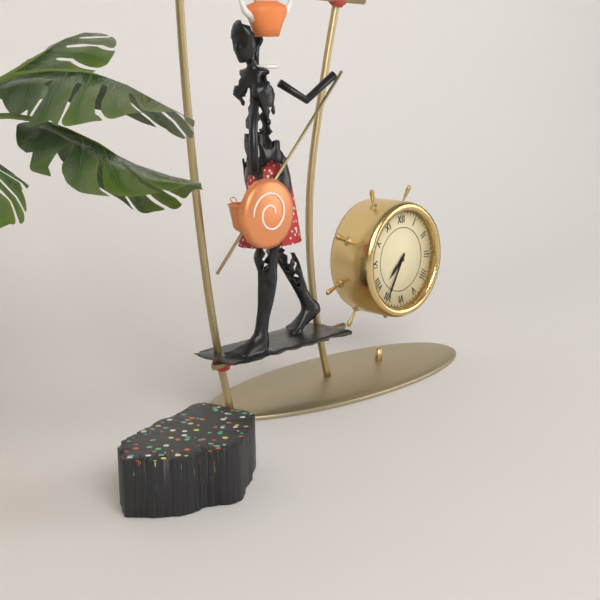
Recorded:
7,35
